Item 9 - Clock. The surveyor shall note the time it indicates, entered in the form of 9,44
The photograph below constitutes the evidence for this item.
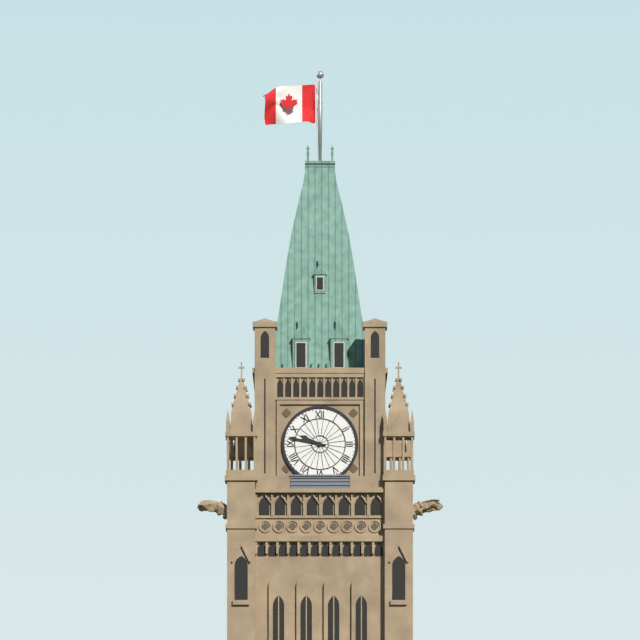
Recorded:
9,47
